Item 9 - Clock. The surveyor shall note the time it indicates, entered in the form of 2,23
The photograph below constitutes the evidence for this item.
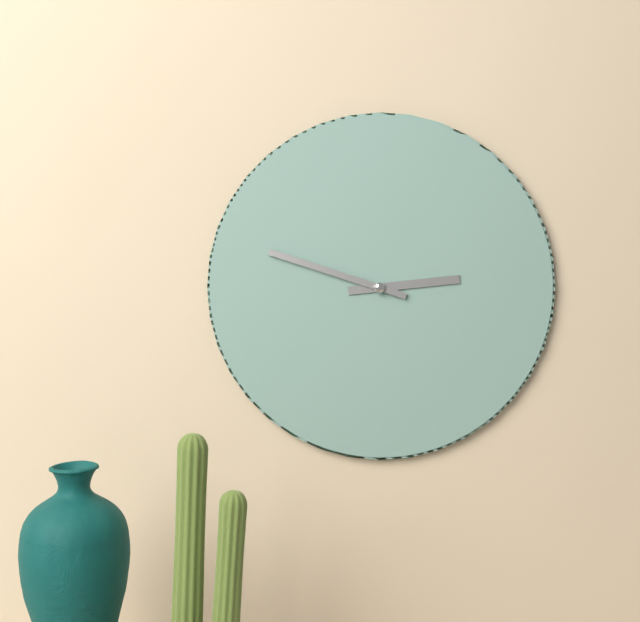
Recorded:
2,48
